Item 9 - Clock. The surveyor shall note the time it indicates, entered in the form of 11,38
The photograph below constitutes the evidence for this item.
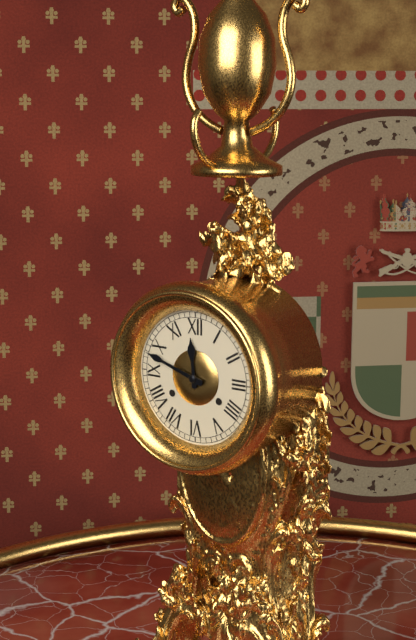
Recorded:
11,48
